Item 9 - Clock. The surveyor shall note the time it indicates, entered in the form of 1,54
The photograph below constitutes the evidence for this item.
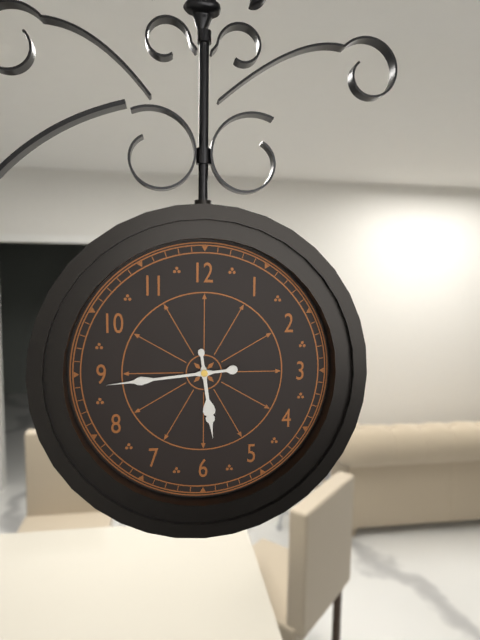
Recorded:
5,44
